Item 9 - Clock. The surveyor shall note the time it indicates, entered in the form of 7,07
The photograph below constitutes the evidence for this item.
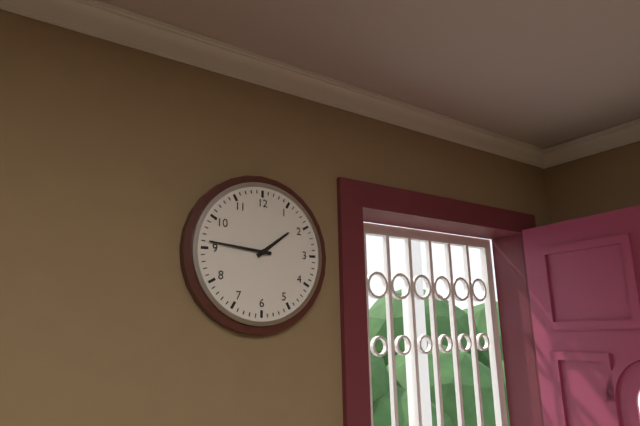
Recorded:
1,46
